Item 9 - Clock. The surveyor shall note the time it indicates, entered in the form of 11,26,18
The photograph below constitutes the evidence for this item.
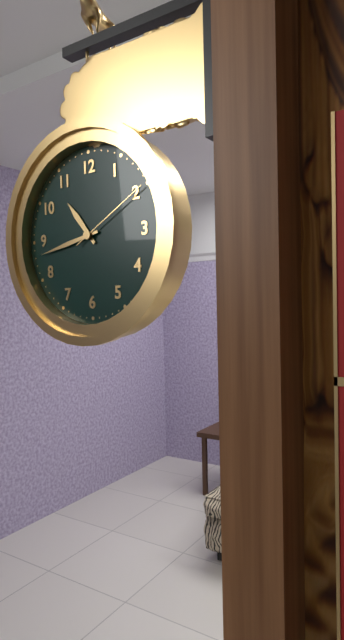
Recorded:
10,43,10
